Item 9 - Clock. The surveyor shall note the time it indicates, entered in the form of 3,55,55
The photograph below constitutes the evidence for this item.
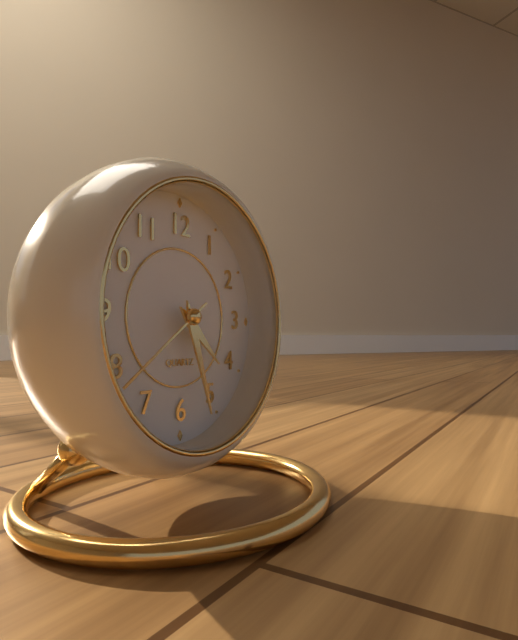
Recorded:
4,27,39
